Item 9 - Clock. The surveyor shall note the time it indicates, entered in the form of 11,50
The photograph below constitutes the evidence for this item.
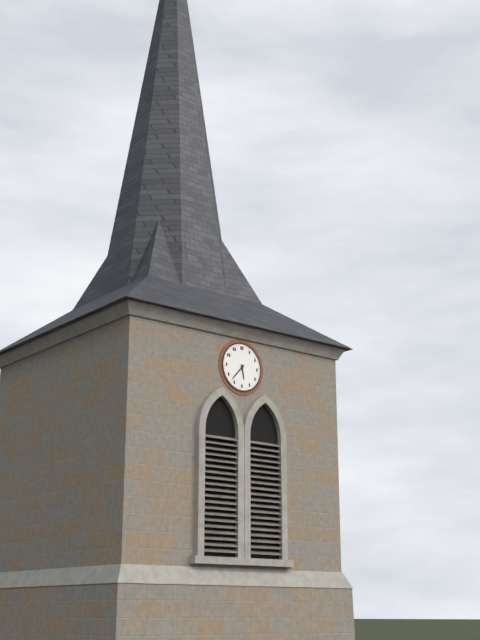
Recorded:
5,37
